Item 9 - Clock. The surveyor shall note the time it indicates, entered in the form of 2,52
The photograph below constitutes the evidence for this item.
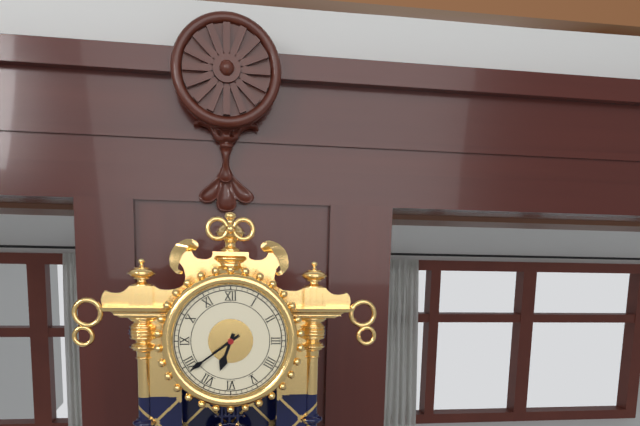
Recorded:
6,39
